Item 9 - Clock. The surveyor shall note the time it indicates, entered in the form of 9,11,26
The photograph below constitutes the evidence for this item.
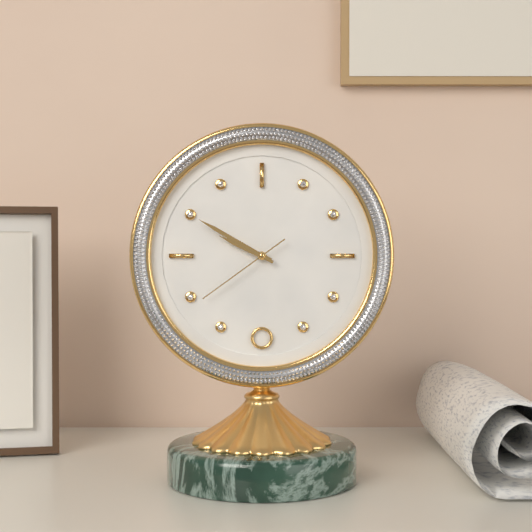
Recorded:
9,50,39
